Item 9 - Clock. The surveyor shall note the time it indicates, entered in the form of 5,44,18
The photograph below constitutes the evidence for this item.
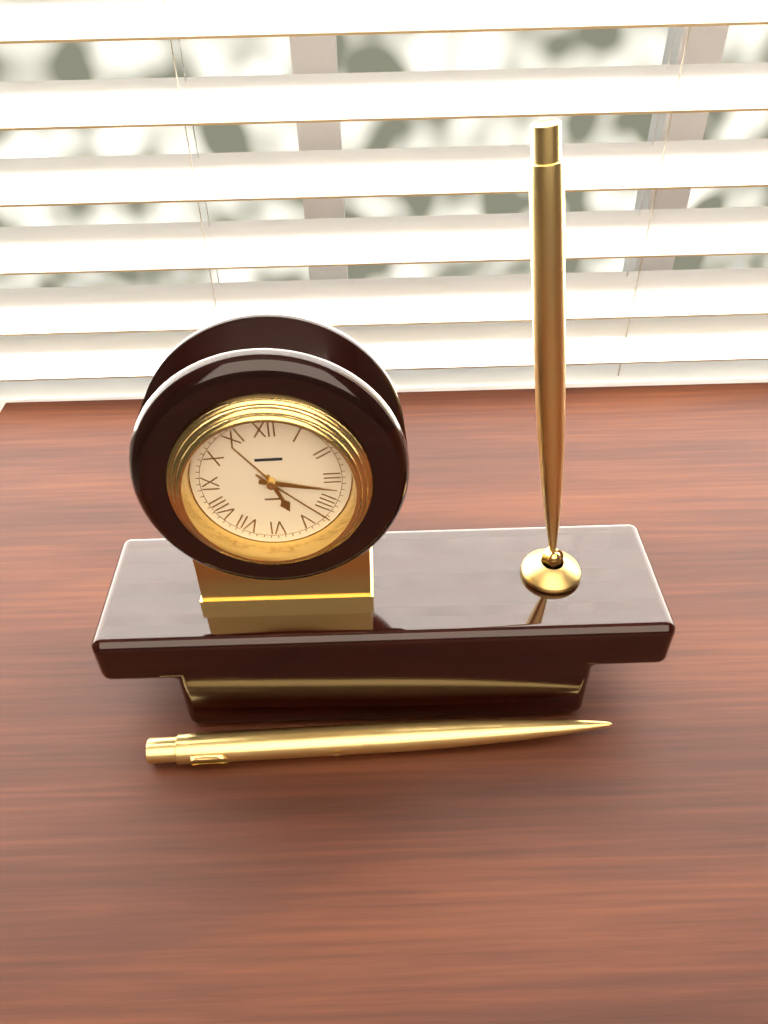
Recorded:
5,17,22
